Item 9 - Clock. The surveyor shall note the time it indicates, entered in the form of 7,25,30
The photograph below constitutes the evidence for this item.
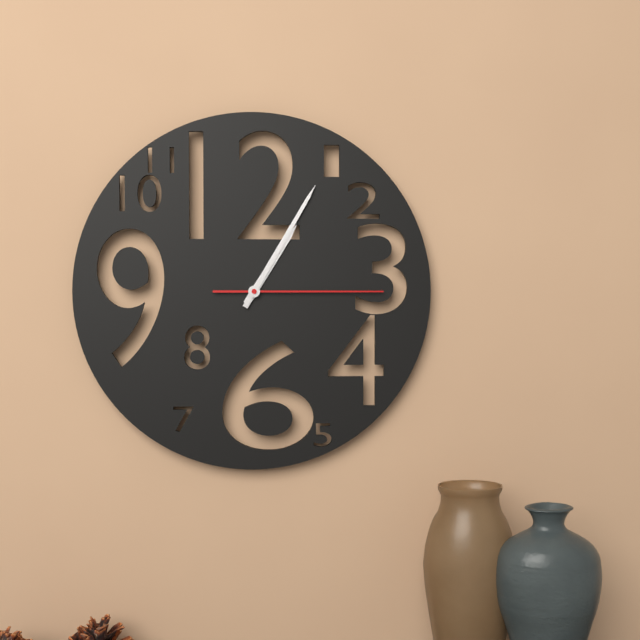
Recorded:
1,05,15
